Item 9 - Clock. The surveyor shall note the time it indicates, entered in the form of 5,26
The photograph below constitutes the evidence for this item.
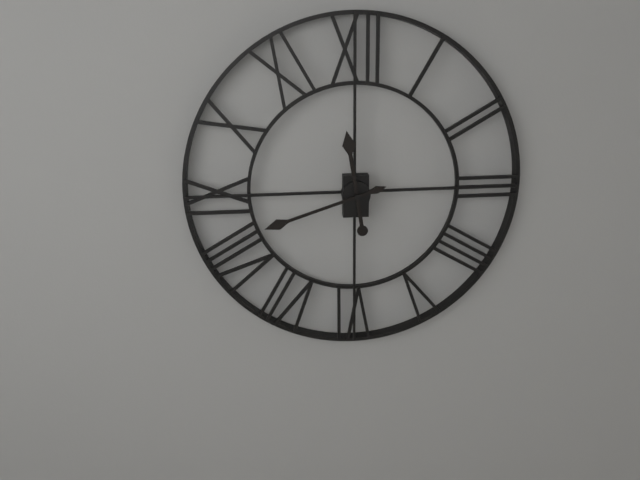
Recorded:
11,42
